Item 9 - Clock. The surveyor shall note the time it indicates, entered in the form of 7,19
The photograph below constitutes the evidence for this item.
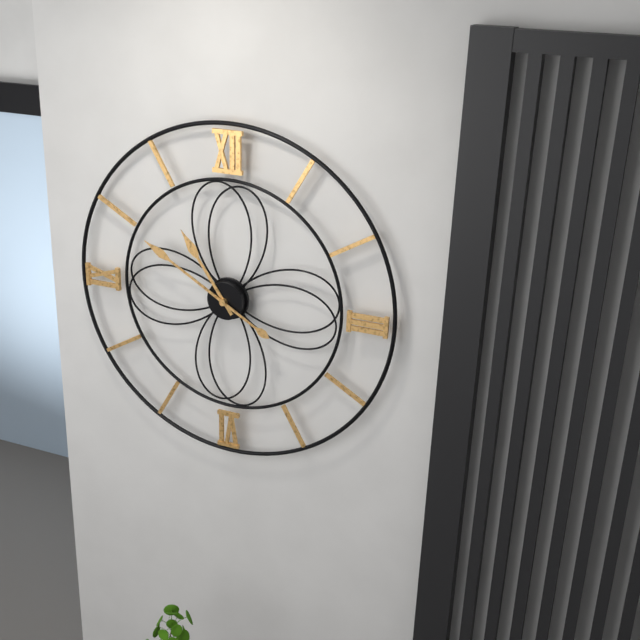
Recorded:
10,50
